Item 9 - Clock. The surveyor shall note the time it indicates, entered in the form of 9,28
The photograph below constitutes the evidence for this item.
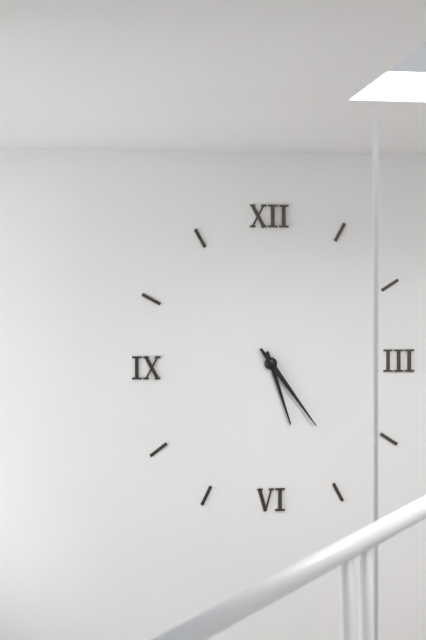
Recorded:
5,24
